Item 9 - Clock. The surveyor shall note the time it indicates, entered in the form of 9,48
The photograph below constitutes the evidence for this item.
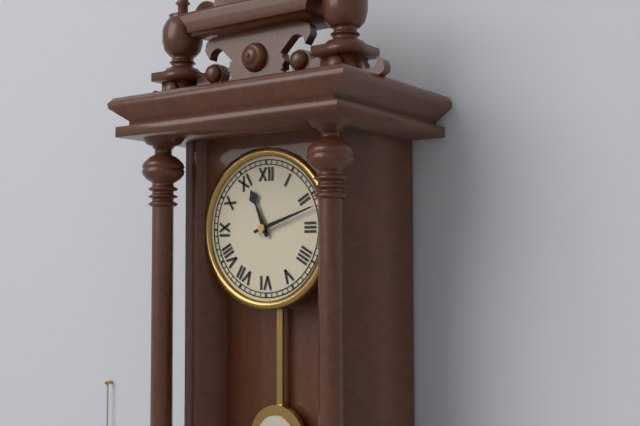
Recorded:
11,12
